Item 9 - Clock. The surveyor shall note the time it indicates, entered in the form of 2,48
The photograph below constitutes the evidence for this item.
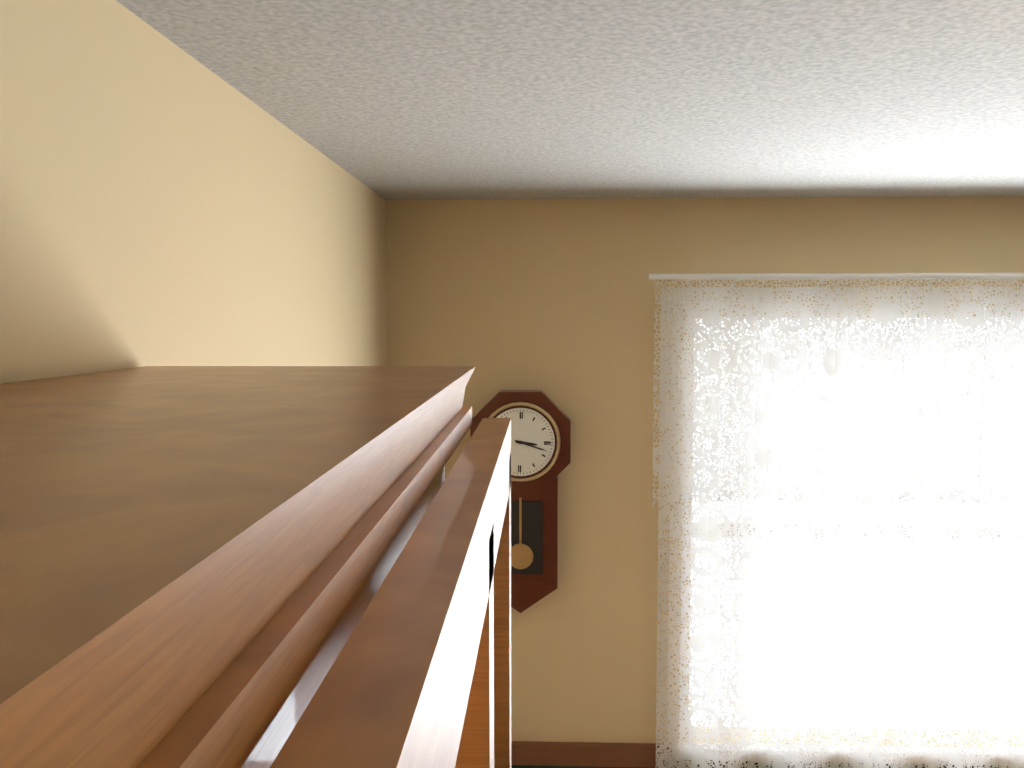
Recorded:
3,18
